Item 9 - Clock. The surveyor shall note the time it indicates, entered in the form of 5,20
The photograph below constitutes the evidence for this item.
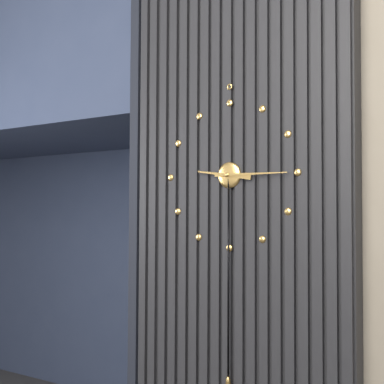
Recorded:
9,15
